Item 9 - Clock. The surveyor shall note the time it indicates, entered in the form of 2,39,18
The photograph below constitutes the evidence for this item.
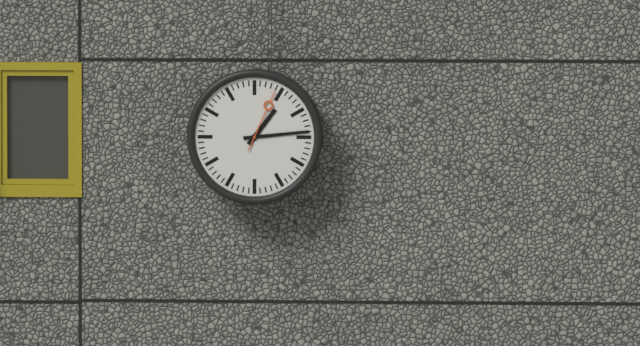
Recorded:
1,14,04
